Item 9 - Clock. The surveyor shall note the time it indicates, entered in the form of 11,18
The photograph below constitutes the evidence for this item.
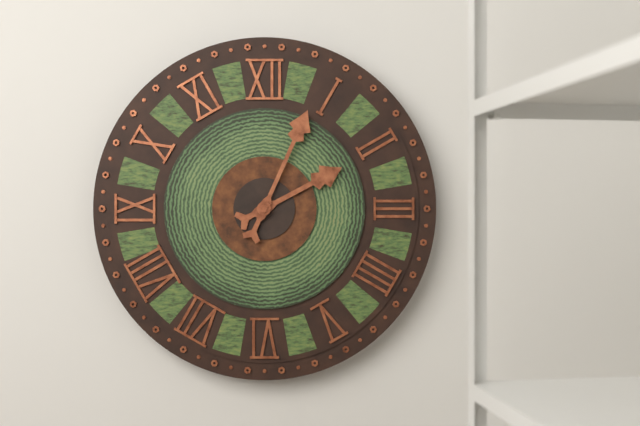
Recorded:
2,04
